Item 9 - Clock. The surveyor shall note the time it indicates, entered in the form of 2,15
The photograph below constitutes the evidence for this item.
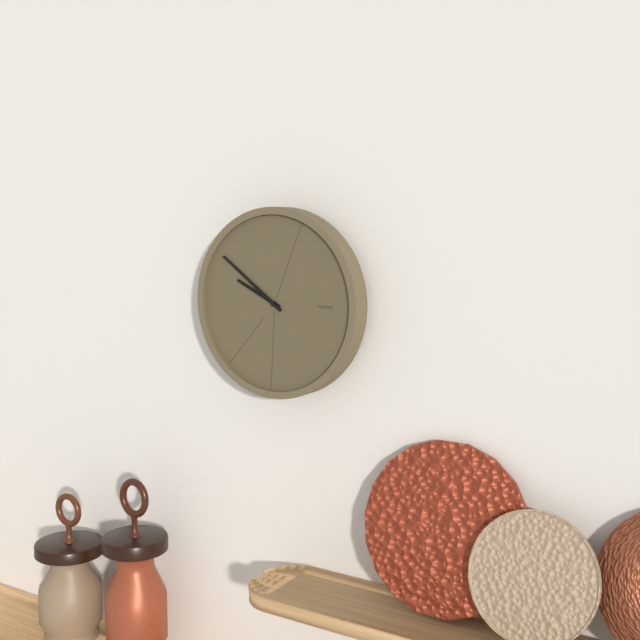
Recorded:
9,51
